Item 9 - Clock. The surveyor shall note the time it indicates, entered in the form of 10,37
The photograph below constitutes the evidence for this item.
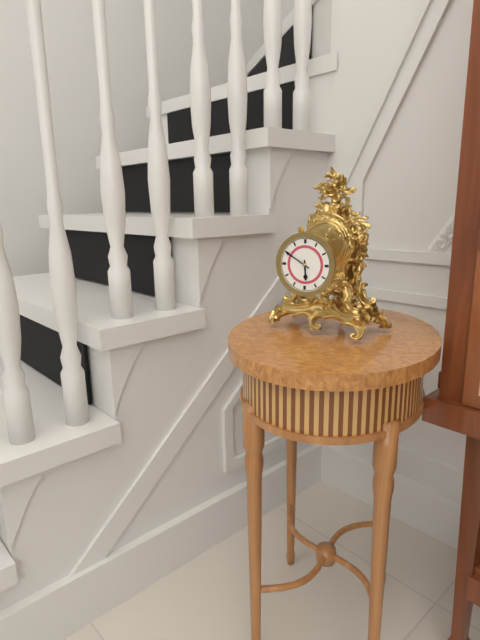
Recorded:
5,50
